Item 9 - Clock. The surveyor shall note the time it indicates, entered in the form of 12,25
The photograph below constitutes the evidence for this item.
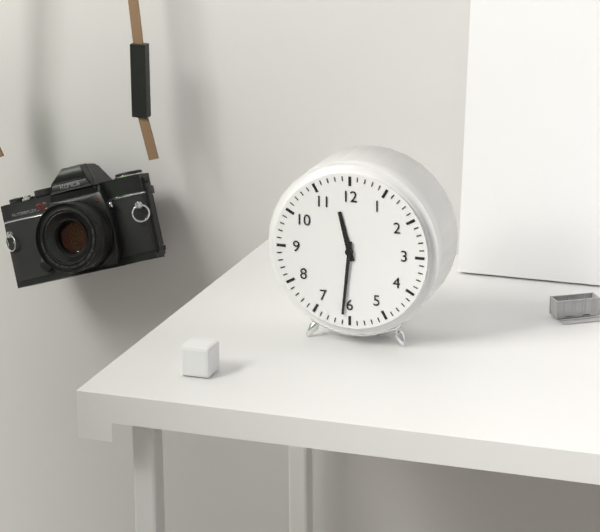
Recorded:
11,31
